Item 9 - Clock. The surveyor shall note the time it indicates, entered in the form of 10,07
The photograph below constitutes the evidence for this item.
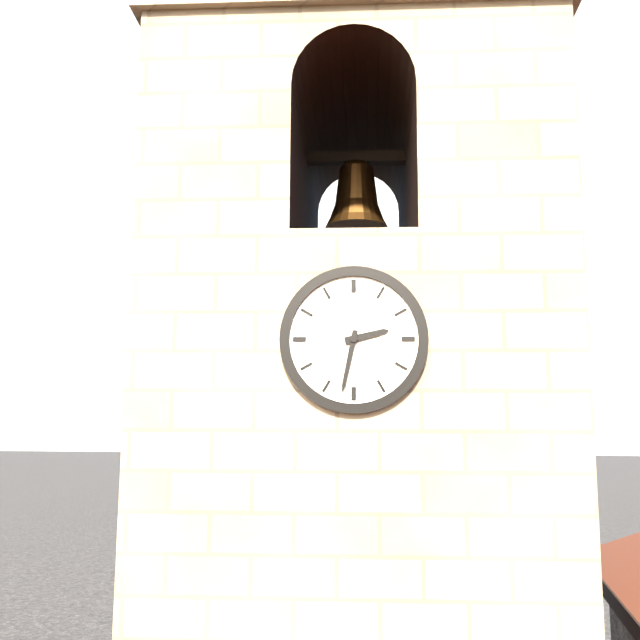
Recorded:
2,32
